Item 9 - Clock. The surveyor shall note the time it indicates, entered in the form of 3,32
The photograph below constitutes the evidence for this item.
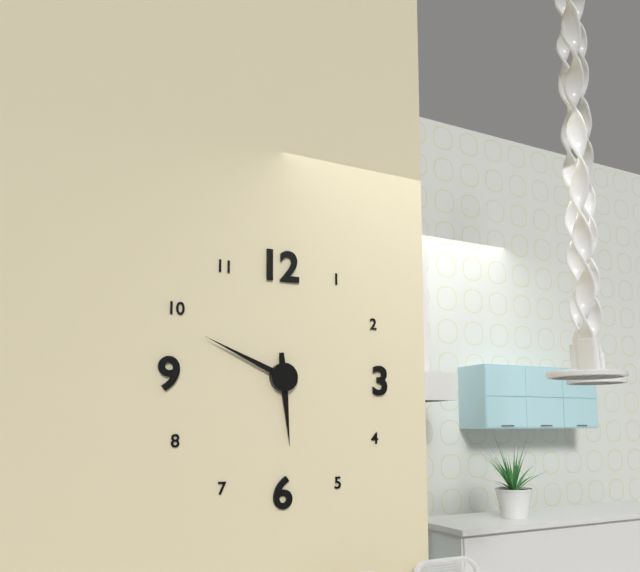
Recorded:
5,49
